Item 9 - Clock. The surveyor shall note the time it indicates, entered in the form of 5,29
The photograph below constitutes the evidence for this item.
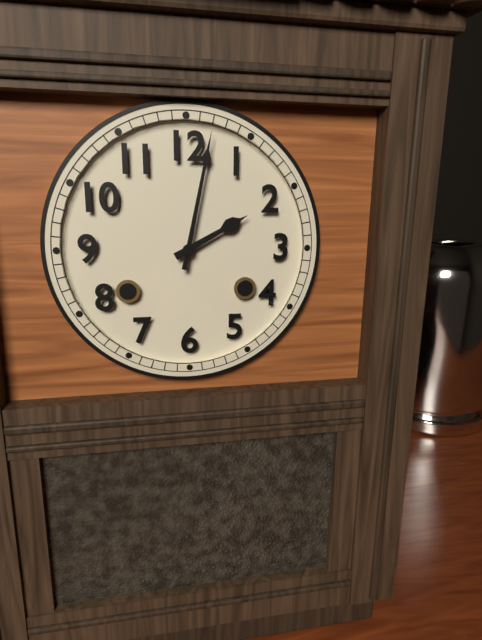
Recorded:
2,02
